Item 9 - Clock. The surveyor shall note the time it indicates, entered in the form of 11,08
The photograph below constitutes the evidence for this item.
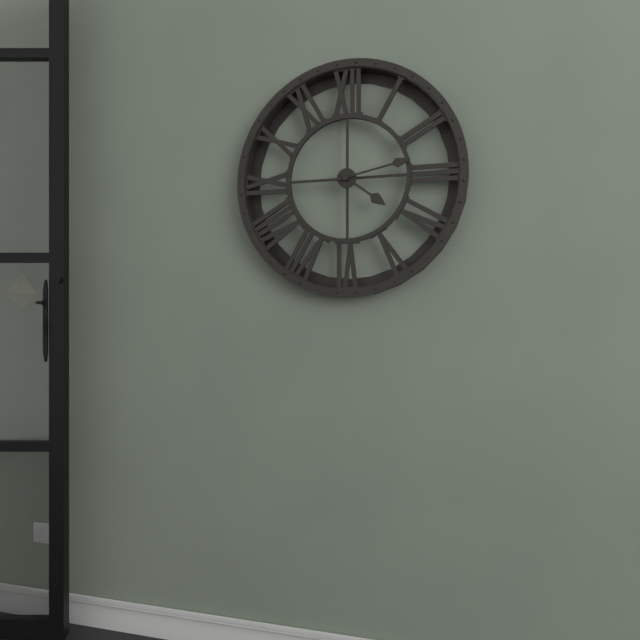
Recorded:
4,13
